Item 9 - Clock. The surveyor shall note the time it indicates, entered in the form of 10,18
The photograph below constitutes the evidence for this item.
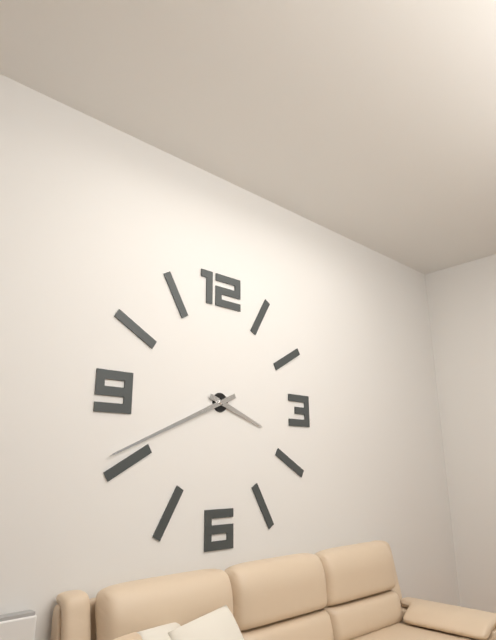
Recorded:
3,41
